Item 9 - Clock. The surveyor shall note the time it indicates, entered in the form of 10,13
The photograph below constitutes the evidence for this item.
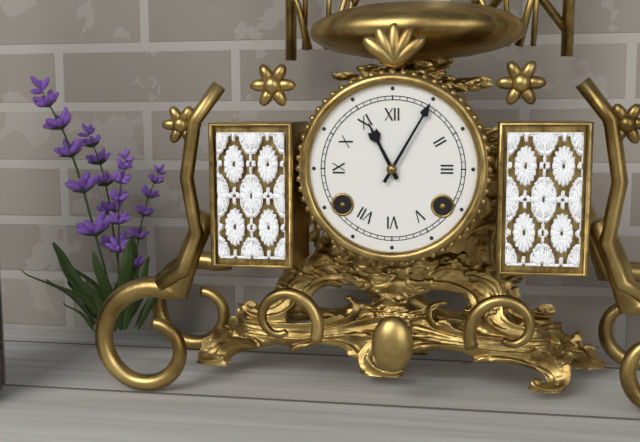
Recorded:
11,05
